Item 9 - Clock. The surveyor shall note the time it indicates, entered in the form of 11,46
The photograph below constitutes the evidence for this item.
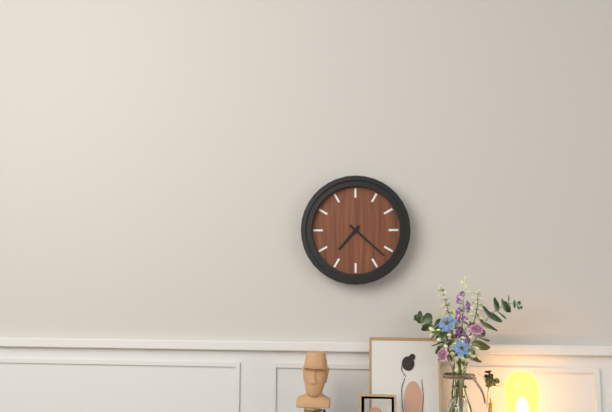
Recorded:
7,22
